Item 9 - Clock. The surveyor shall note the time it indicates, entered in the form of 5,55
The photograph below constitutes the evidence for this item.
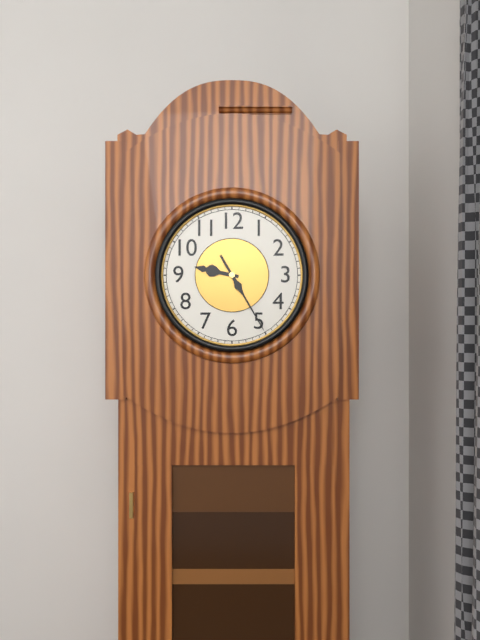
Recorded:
9,25
